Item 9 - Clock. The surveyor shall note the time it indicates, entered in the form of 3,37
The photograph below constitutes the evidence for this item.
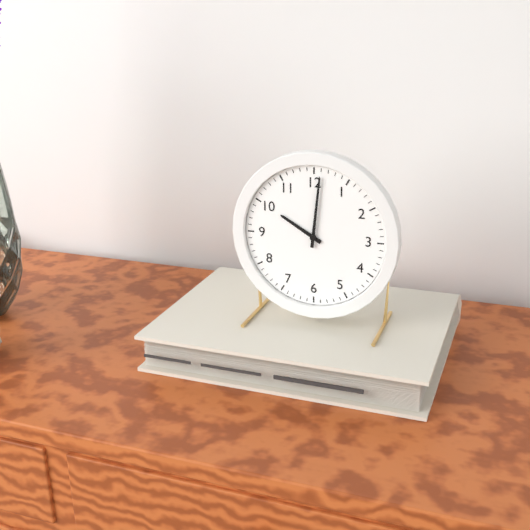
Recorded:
10,01
